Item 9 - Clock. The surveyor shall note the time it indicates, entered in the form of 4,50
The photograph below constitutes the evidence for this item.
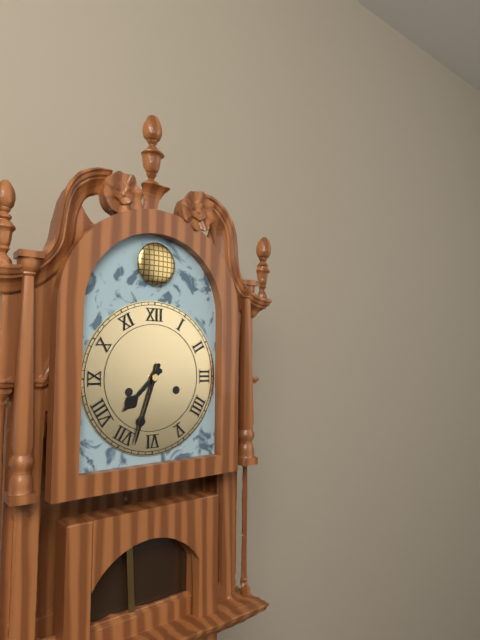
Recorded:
7,33
